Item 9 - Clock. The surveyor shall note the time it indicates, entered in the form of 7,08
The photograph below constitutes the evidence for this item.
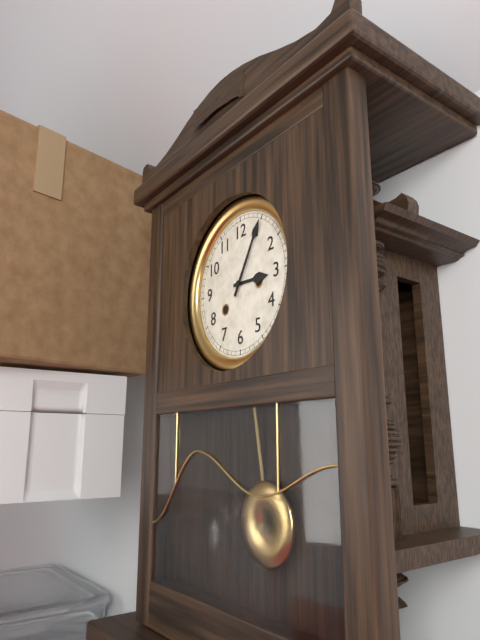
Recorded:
3,05
